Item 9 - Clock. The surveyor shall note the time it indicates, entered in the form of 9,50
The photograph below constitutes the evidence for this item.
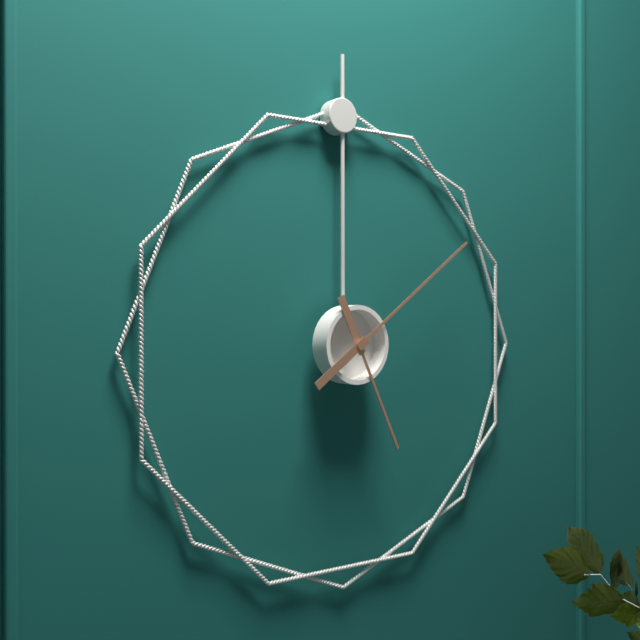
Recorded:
5,09
